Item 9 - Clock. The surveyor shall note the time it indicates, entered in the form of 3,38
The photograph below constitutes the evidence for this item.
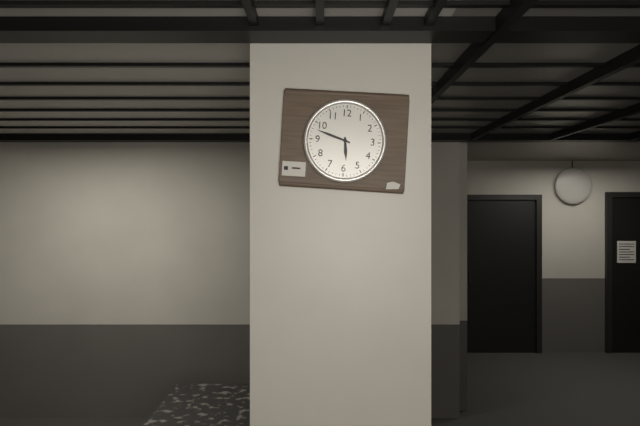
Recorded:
5,48
